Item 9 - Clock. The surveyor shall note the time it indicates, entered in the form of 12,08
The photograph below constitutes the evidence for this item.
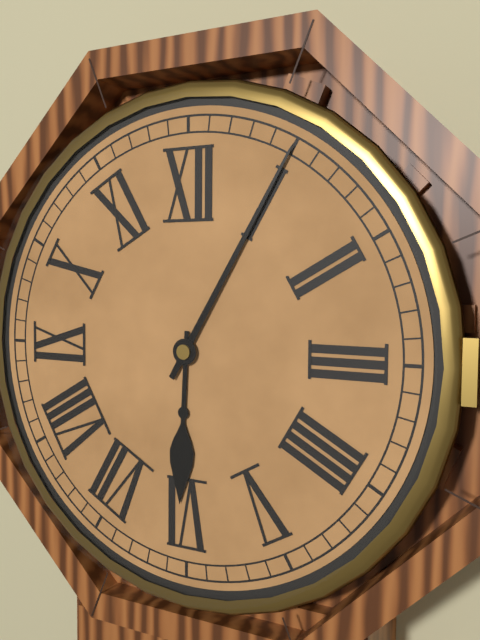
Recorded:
6,05
